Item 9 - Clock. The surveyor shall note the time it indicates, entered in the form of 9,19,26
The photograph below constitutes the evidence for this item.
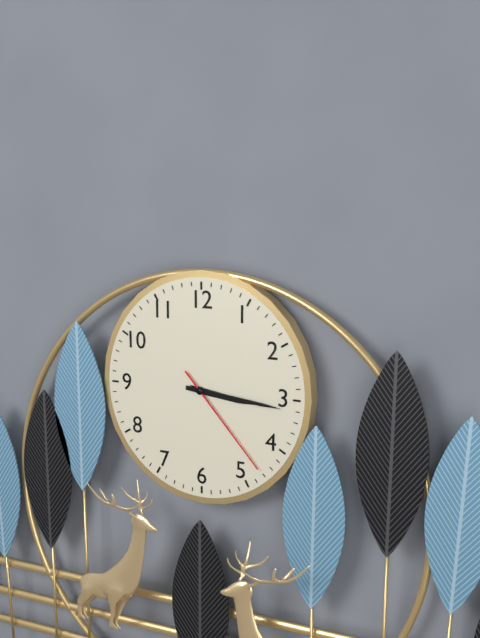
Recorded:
3,16,23
